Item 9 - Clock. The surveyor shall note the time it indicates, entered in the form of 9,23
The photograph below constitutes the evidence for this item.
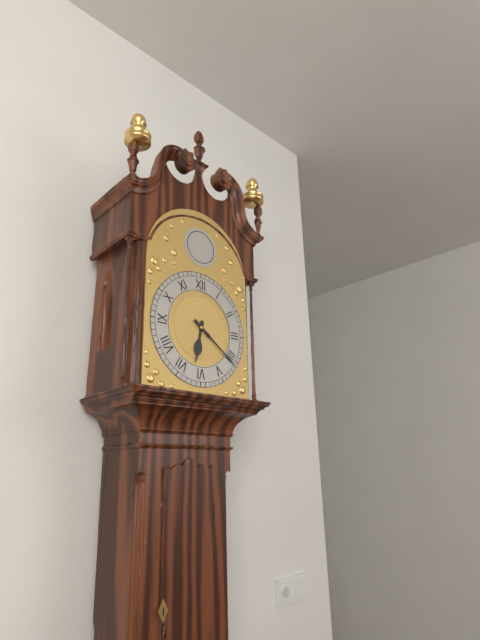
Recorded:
6,21
